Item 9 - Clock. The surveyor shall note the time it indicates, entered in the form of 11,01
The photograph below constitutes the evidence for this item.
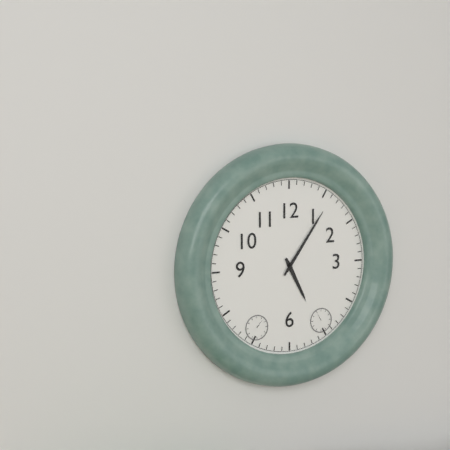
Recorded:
5,06
